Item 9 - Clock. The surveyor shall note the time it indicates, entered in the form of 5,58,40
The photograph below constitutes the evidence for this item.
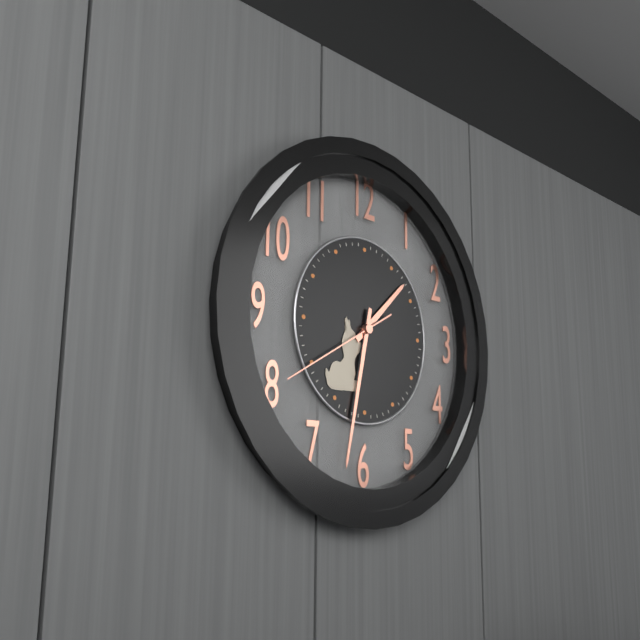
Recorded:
1,32,40
